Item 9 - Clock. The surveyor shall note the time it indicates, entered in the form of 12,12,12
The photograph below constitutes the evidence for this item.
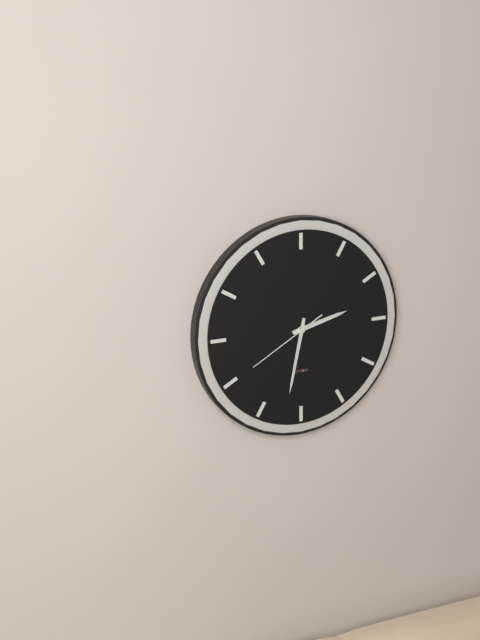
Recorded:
2,32,40
